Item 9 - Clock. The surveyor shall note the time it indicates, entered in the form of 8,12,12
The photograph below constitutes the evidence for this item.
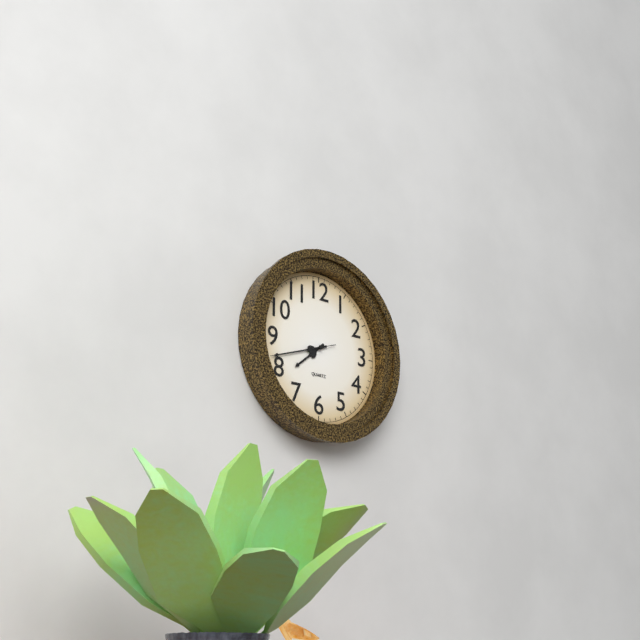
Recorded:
7,42,42
